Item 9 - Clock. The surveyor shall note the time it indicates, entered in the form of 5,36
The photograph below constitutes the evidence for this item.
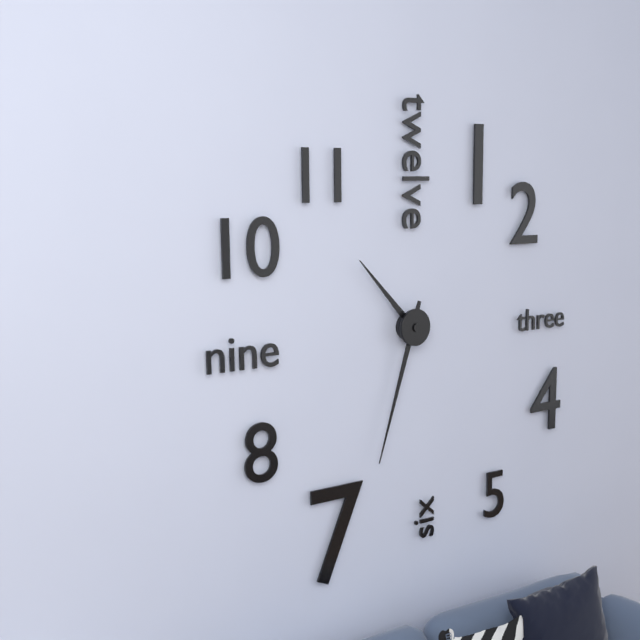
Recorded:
10,33
